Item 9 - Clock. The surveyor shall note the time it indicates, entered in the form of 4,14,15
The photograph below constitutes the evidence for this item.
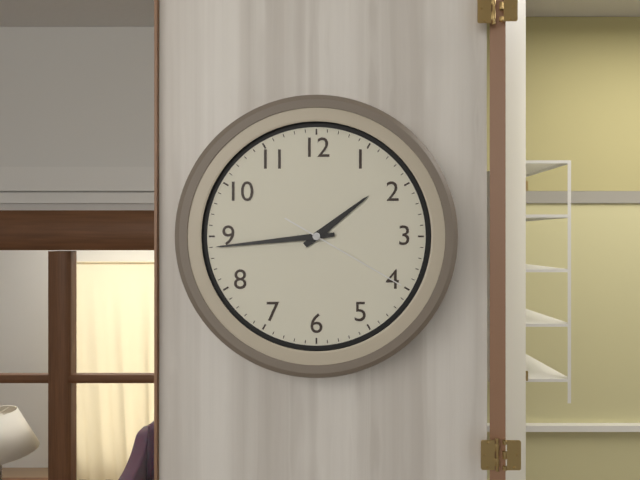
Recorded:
1,44,20
